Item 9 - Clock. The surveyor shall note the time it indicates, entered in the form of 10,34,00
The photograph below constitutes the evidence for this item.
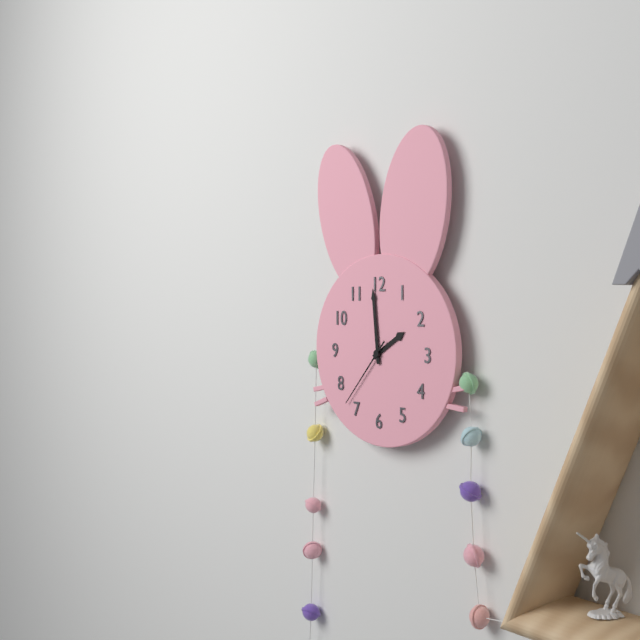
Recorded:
1,59,37
